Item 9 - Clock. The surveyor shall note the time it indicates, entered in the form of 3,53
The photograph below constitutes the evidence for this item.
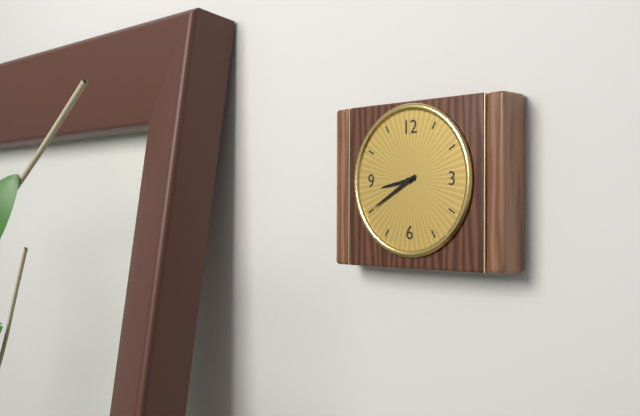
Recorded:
8,40
